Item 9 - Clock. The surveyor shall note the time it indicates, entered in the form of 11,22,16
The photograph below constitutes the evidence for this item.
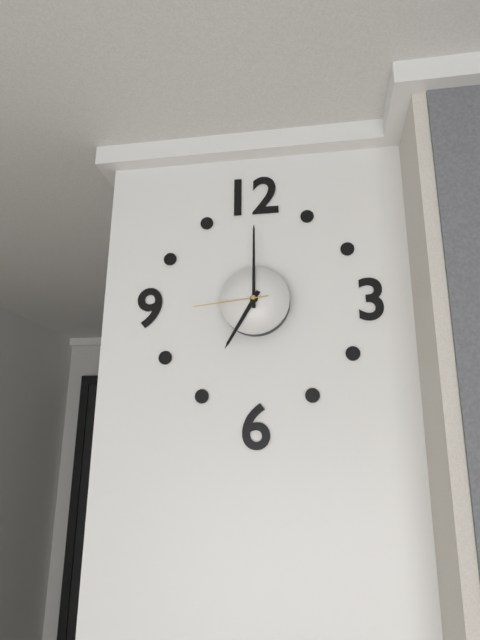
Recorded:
7,00,44
